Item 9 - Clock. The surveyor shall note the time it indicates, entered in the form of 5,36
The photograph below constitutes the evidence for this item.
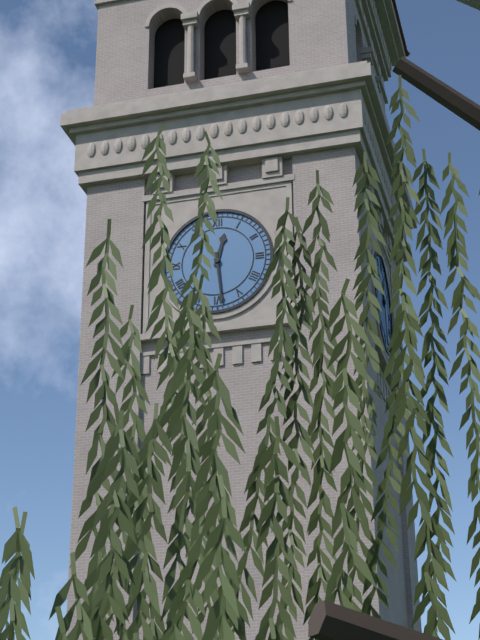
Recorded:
12,29
